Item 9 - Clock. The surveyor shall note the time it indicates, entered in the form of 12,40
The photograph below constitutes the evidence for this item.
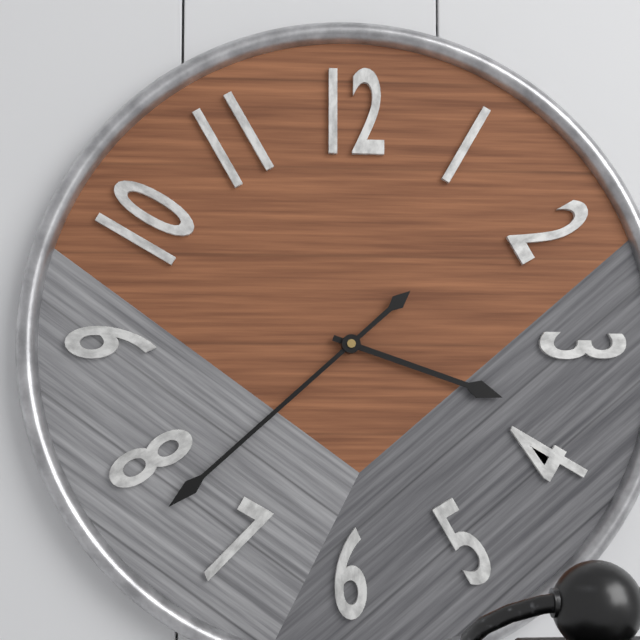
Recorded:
3,38
